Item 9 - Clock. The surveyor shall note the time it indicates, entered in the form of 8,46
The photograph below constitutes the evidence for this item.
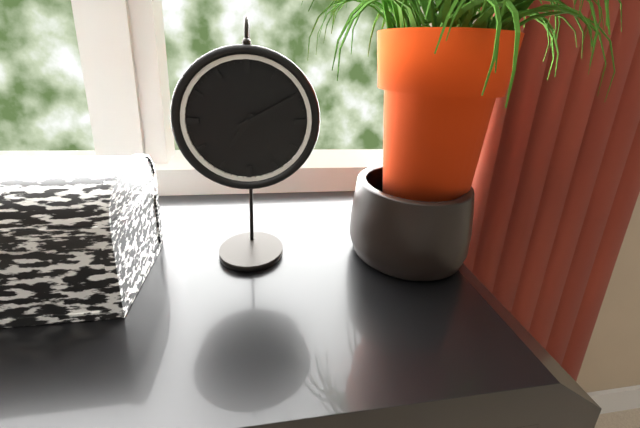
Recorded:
7,10
